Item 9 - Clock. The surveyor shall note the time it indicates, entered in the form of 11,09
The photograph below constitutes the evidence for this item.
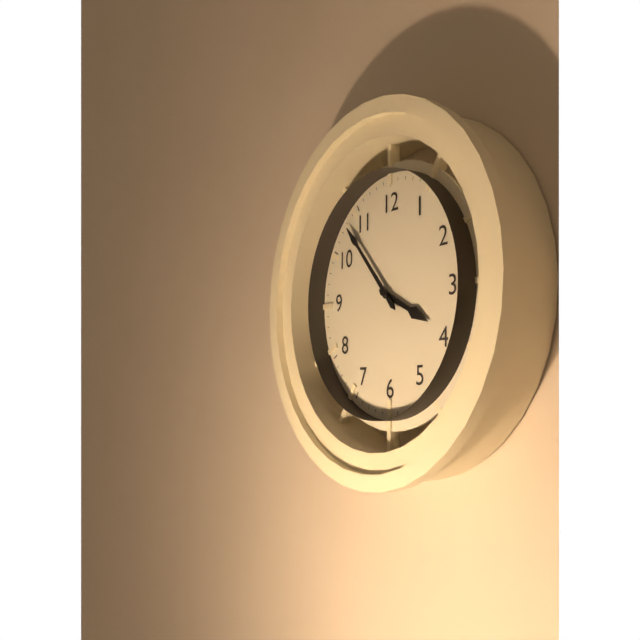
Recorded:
3,53
